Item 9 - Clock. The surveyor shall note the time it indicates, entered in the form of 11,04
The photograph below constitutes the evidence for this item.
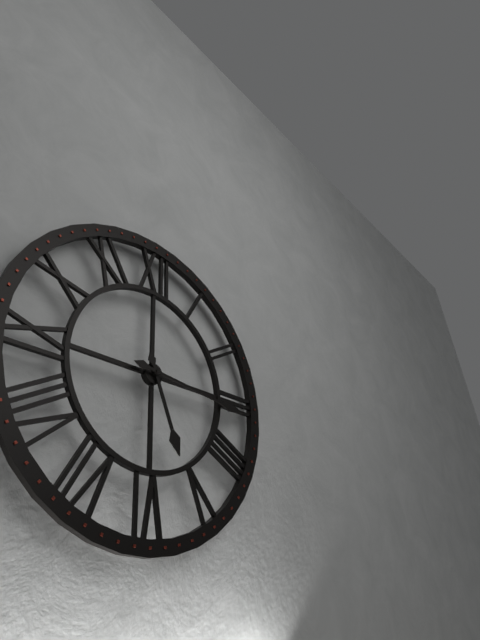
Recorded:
5,16
